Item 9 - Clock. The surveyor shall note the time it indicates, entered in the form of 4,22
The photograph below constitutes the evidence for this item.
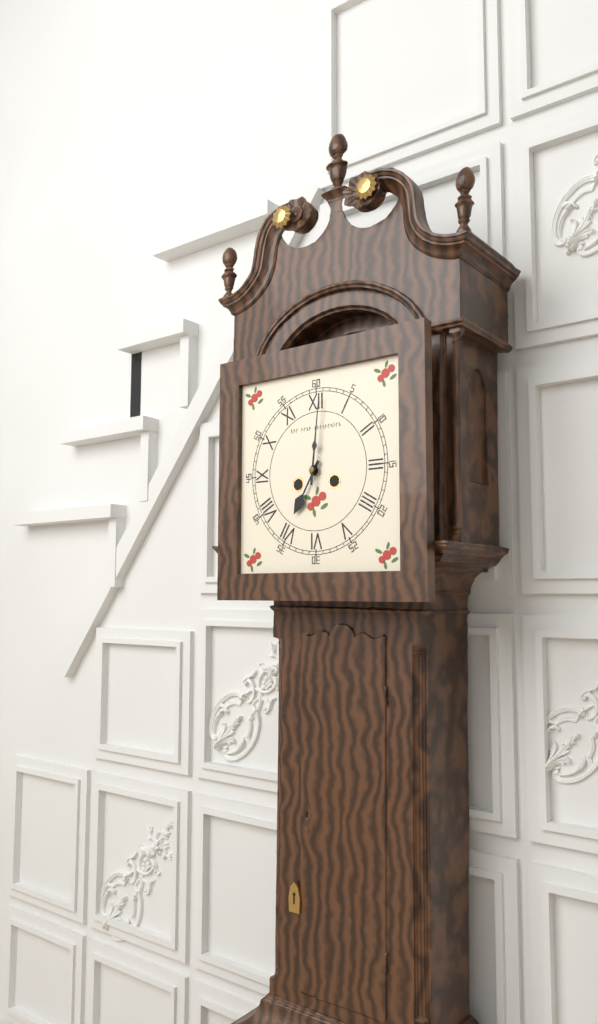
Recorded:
7,01
